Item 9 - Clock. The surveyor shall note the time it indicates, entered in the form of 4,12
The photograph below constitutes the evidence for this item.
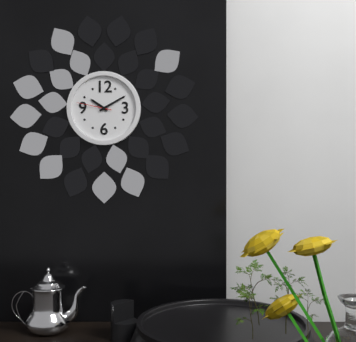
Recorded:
10,10
